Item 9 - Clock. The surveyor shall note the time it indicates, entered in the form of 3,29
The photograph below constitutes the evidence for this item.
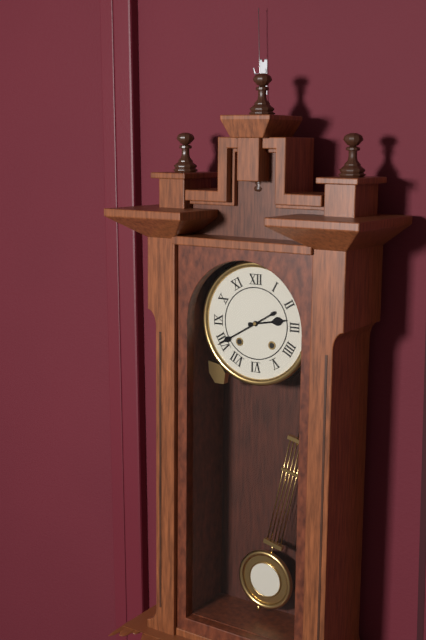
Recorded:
2,40
